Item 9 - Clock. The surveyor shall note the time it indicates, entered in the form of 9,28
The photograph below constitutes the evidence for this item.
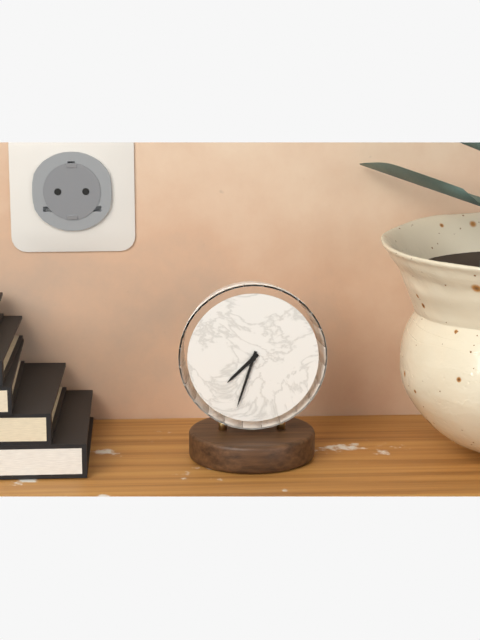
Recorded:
7,33
